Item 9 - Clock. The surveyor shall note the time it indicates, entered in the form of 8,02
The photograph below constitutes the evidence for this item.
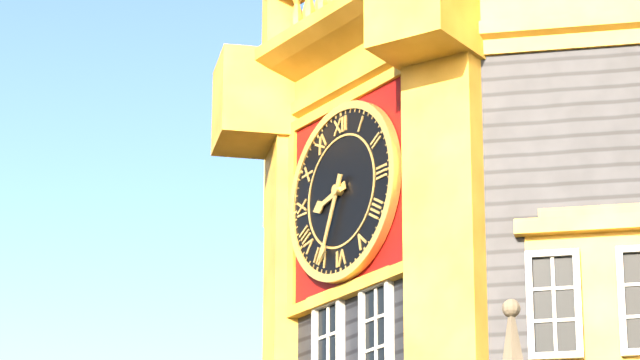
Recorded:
8,34
